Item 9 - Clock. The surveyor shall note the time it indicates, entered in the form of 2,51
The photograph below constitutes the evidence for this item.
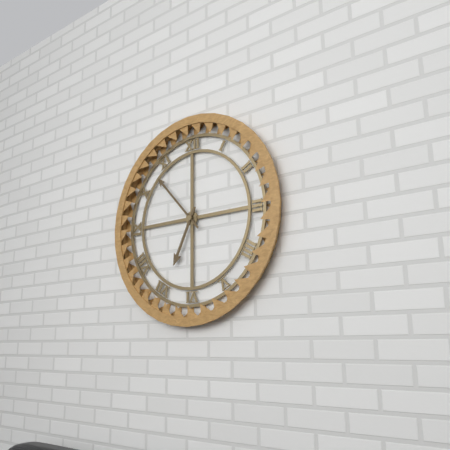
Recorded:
6,53
